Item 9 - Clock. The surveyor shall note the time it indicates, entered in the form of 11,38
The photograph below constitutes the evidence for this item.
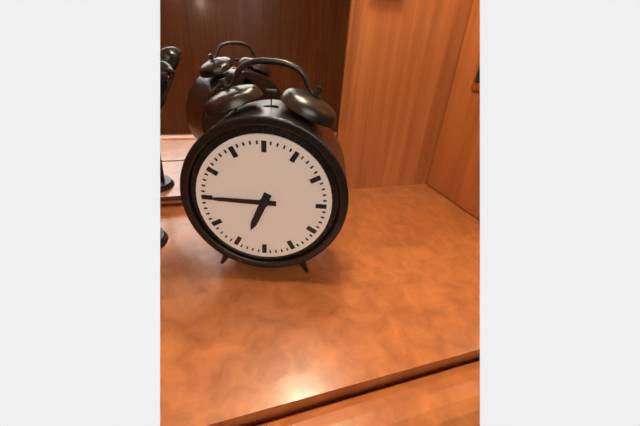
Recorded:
6,45
